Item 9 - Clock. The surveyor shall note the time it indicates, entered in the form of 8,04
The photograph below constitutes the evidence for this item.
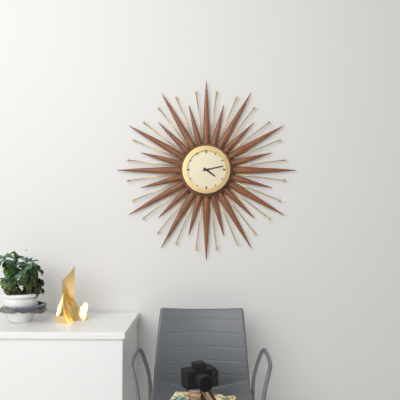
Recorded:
4,13
